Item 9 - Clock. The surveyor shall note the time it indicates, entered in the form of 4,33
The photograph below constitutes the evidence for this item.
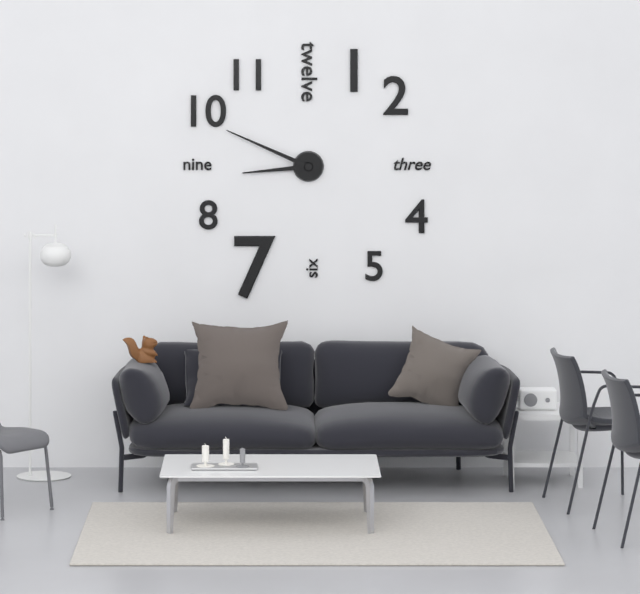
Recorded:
8,49
